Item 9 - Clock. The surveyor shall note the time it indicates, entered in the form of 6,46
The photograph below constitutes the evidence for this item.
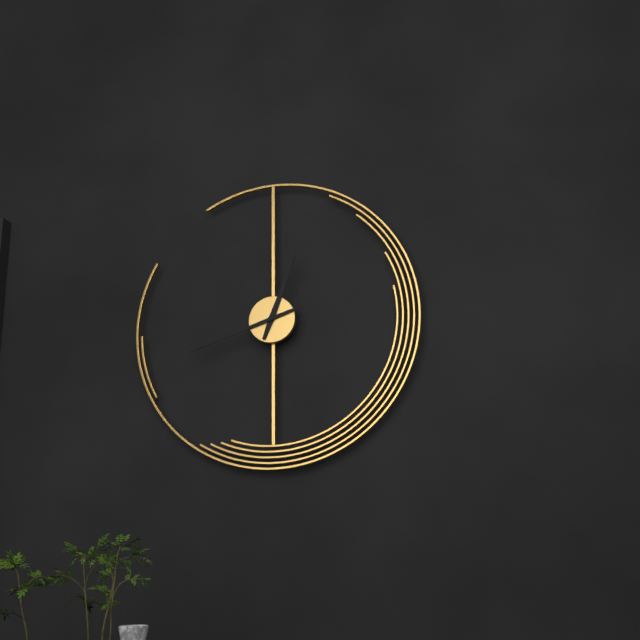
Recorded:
12,42
